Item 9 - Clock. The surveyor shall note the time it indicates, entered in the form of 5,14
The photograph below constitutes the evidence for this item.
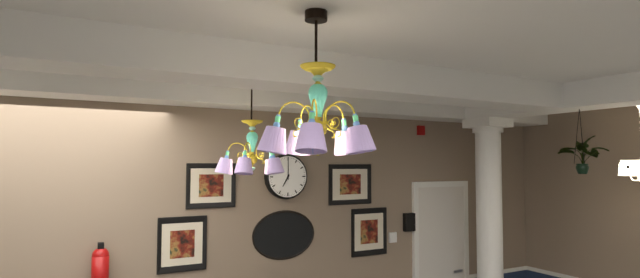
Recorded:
7,00
